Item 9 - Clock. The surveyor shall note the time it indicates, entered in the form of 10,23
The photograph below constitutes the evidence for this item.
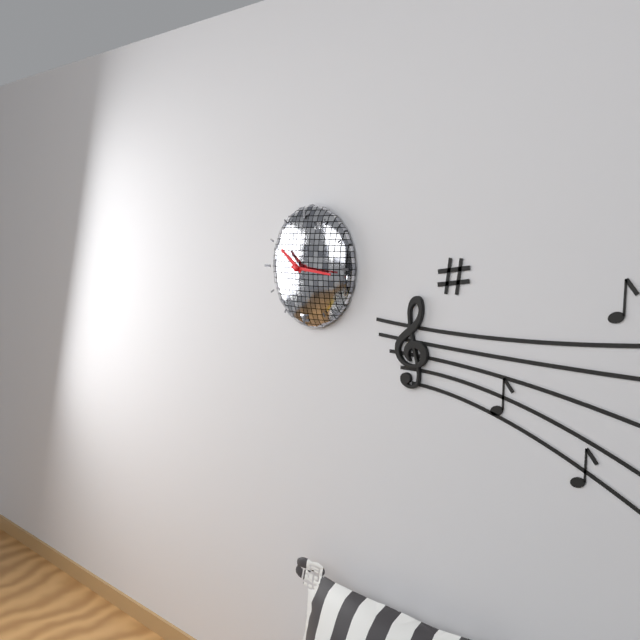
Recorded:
10,16
